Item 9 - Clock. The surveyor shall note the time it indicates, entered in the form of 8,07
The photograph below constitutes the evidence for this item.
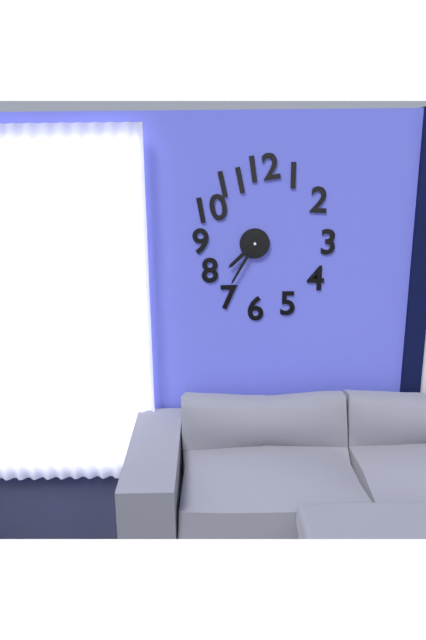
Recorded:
7,35
